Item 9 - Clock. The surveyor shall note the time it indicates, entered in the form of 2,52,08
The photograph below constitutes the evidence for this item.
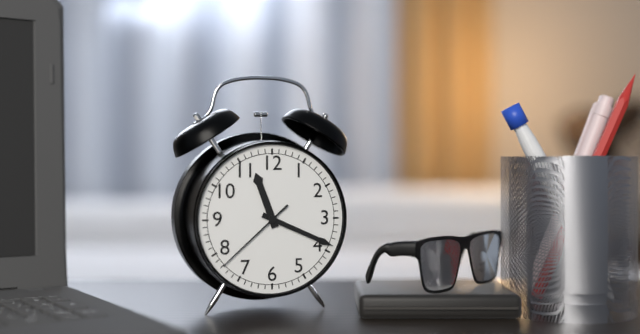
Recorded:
11,19,38
